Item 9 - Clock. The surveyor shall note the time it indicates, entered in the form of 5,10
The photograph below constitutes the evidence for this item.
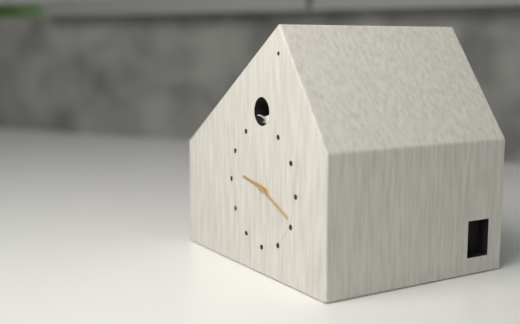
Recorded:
9,19
